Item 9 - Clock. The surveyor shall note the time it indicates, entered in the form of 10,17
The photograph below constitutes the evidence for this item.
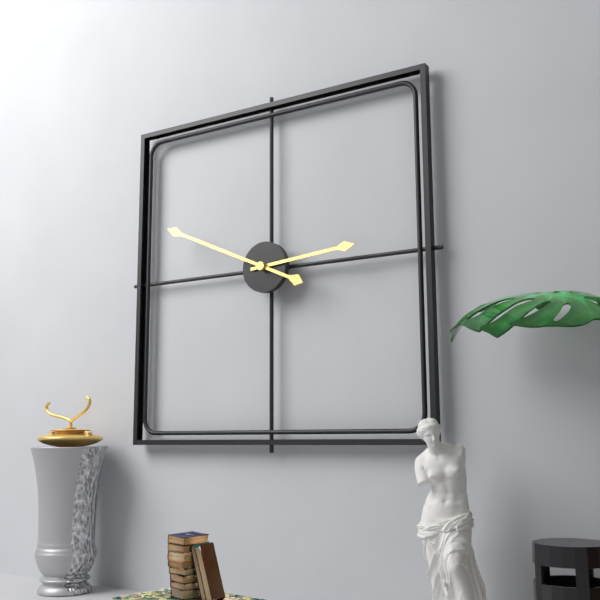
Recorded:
2,49
